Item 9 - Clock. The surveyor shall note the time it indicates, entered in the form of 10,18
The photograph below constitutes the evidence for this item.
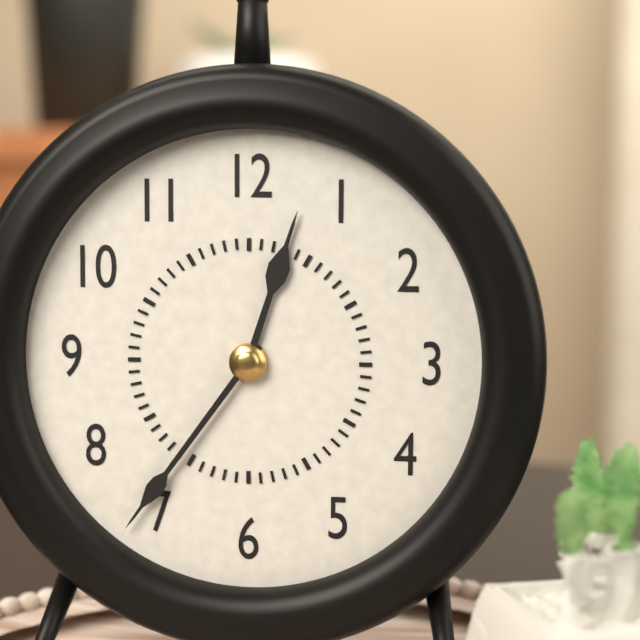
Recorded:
12,36
